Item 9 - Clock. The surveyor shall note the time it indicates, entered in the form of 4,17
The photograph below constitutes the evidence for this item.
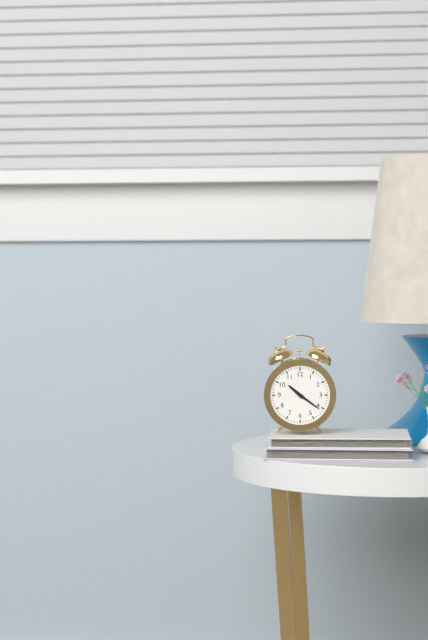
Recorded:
10,21
